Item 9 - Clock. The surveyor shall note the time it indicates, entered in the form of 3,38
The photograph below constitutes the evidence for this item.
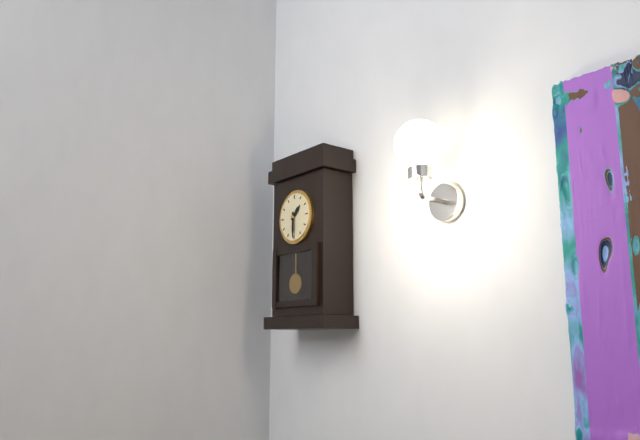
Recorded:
1,30
